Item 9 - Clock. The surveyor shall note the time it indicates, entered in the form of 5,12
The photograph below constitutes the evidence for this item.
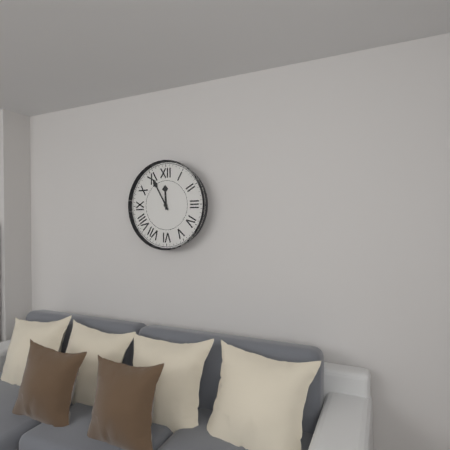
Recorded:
11,55
